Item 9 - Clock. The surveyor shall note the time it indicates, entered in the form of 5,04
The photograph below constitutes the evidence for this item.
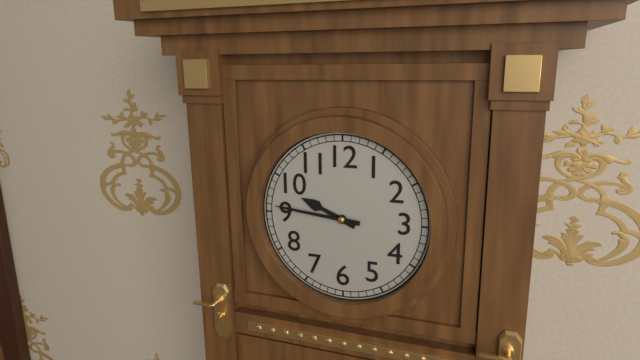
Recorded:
9,46
